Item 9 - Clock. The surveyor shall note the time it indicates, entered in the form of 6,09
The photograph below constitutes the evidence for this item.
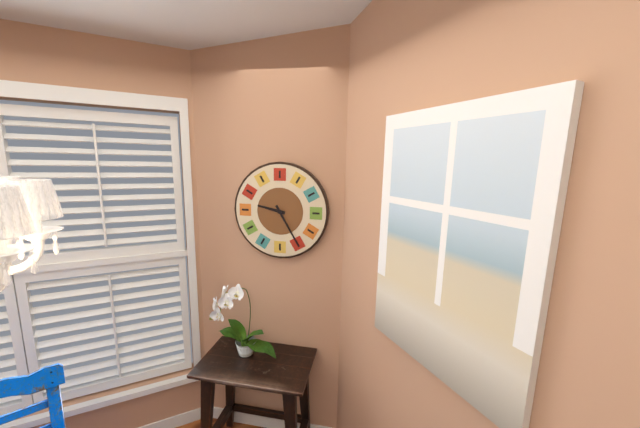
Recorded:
9,25
